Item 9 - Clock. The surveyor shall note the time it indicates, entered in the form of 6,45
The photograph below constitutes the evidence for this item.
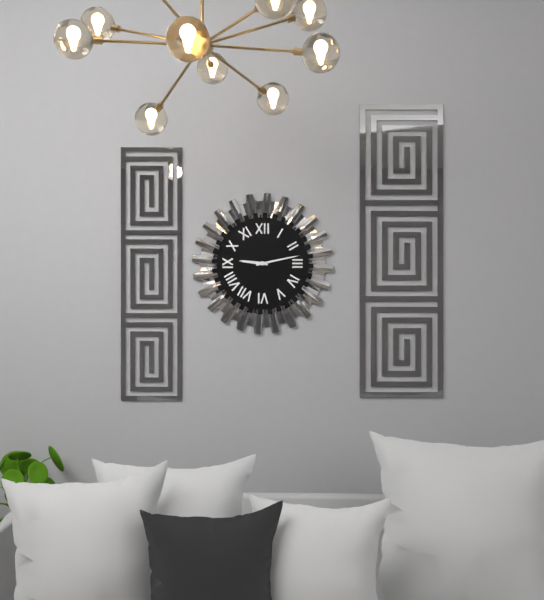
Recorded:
9,13
